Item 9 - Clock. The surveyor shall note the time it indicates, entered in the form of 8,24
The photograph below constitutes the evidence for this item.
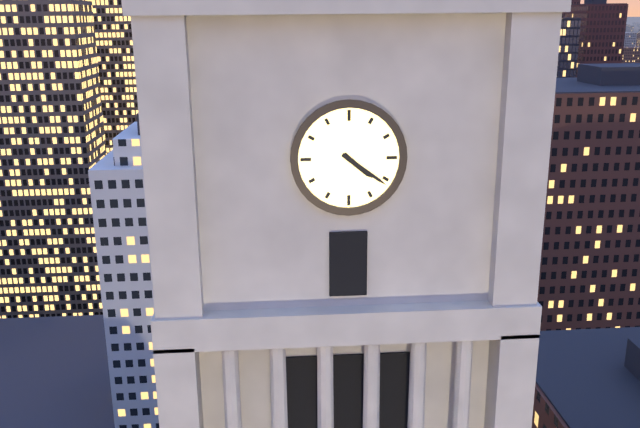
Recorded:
4,21
